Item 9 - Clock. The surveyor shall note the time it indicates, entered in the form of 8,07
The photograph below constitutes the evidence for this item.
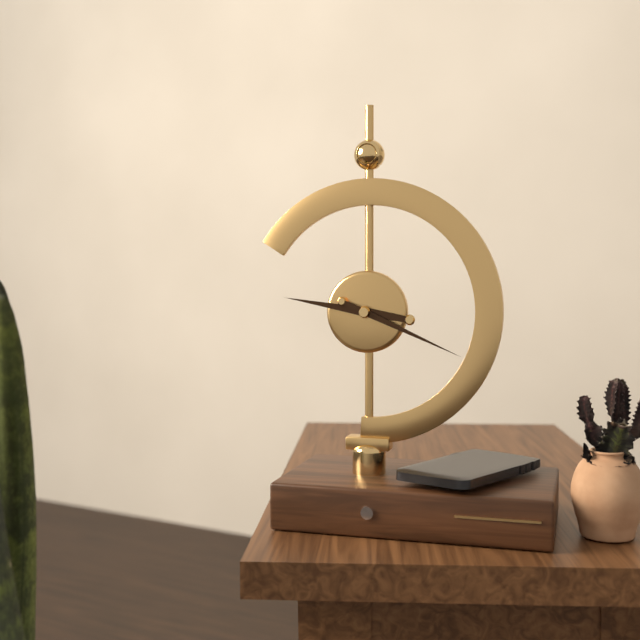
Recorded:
9,19
